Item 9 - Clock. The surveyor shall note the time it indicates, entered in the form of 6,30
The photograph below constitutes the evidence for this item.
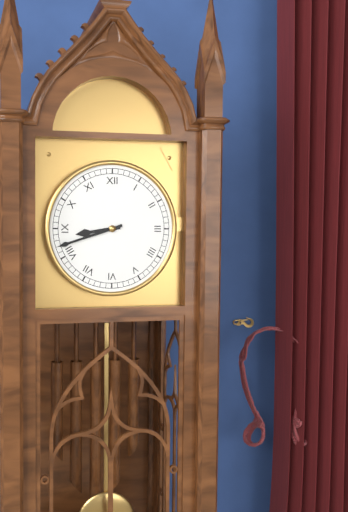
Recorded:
8,42
